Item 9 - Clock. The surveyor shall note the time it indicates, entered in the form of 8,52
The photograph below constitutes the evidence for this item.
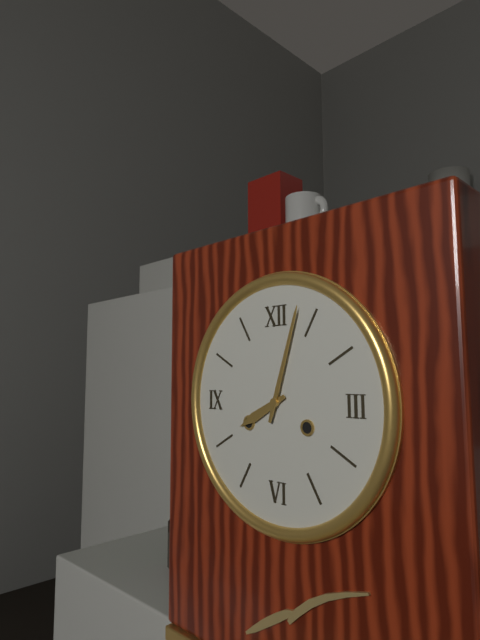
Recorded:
8,03
